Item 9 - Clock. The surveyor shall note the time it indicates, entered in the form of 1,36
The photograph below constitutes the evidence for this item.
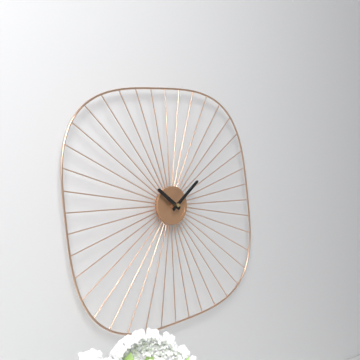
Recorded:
10,08
